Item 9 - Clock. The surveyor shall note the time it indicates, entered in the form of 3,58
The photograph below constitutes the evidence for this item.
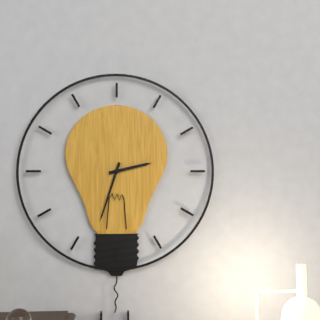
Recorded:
2,33
